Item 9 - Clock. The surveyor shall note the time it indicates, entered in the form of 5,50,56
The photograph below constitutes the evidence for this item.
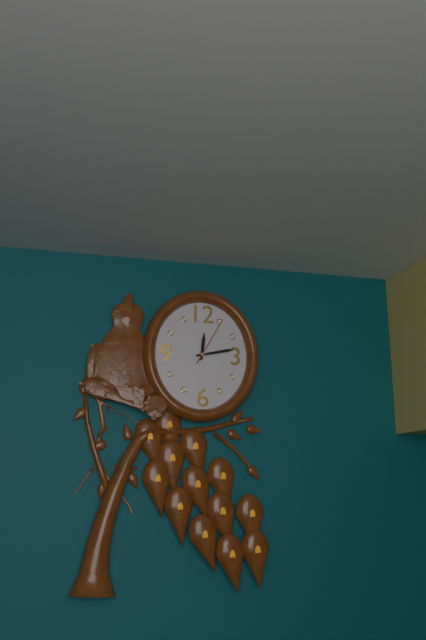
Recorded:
12,13,05
